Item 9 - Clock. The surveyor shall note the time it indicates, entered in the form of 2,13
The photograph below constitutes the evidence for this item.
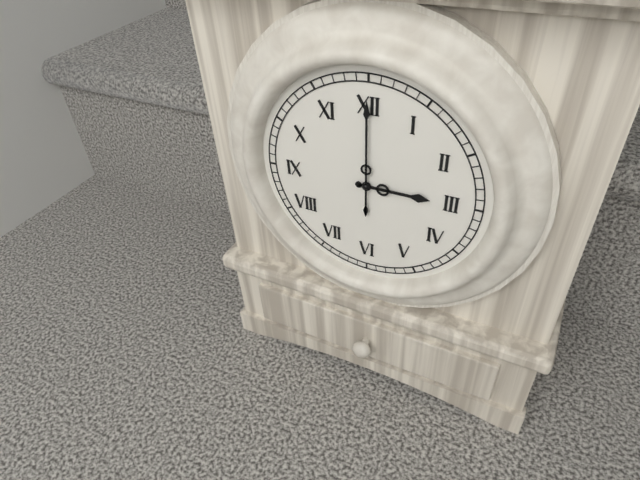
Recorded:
3,00
